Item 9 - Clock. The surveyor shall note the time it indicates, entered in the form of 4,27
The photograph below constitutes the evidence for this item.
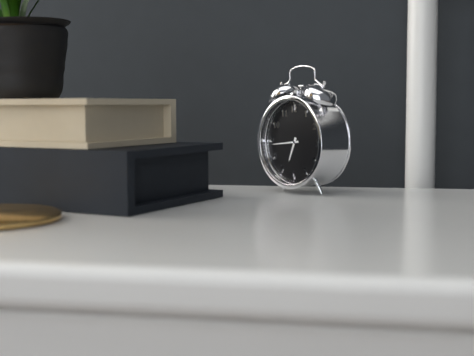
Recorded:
6,44
